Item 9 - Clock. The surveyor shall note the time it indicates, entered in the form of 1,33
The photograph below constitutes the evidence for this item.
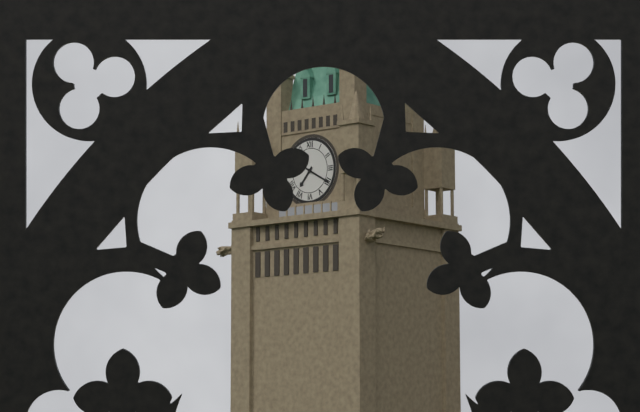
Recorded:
7,20
